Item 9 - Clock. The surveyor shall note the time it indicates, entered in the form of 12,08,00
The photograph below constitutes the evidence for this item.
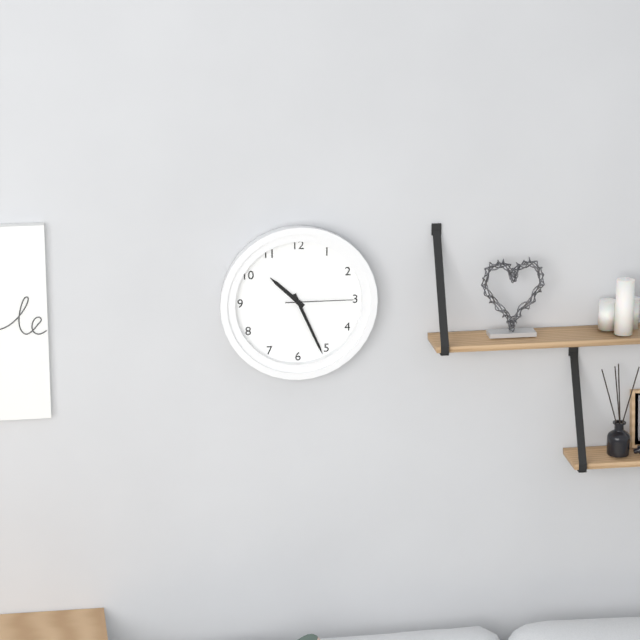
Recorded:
10,26,15
